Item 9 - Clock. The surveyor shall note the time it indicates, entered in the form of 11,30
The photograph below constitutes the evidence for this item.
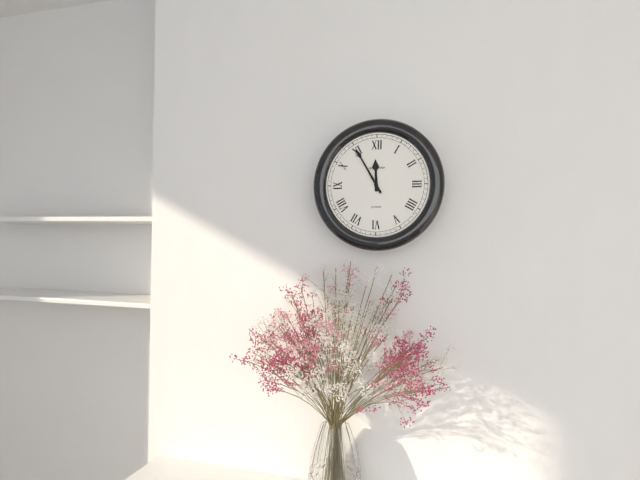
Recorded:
11,55
